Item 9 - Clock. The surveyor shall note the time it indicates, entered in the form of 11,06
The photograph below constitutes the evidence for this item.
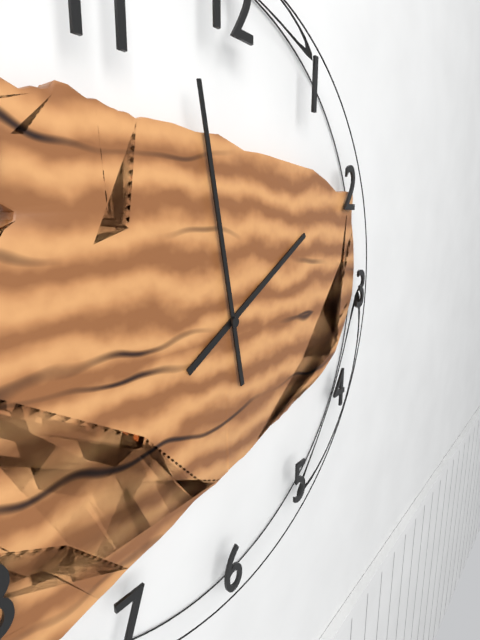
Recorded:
1,58
